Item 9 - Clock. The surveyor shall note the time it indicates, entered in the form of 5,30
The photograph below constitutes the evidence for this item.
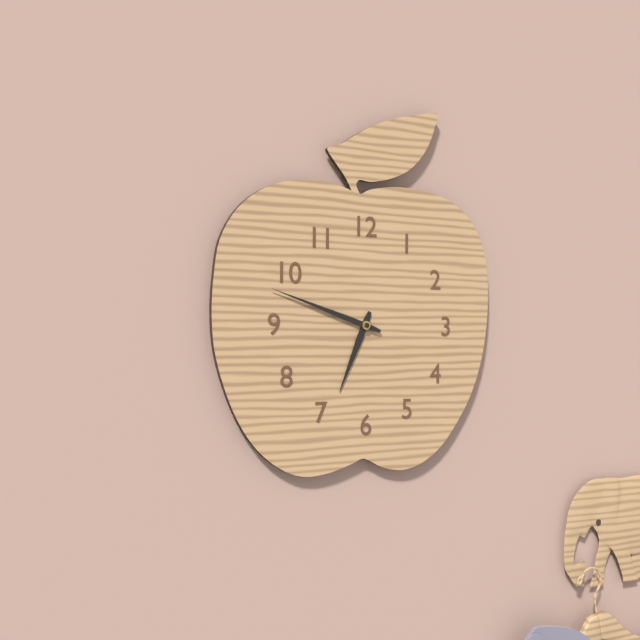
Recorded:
6,48
